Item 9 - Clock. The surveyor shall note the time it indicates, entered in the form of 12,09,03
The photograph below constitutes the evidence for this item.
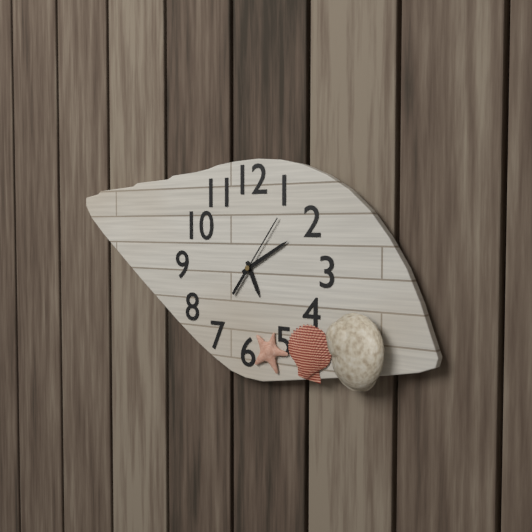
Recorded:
5,10,06
